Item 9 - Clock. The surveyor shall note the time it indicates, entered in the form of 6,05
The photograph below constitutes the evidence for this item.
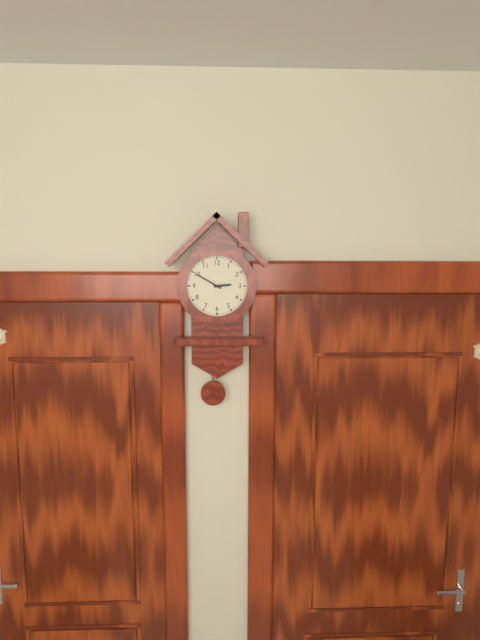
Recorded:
2,50
